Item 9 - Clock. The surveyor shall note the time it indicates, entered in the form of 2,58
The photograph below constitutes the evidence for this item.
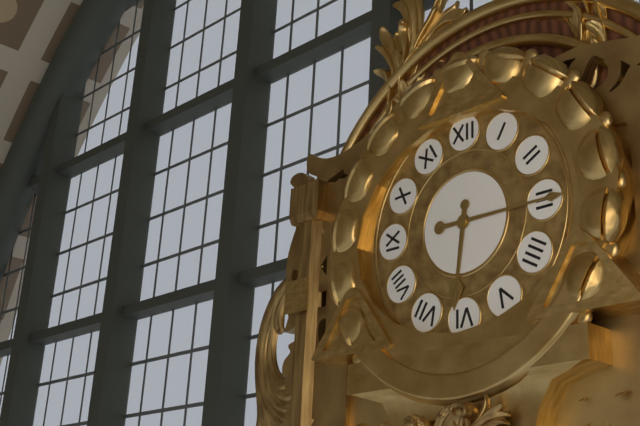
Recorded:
6,15
